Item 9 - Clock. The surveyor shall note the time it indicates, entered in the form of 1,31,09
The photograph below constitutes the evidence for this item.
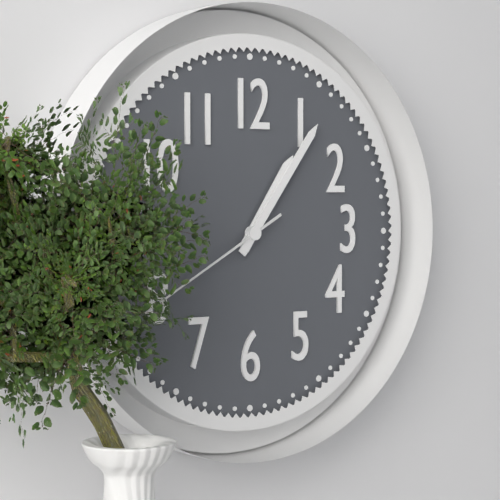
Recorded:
1,06,40
